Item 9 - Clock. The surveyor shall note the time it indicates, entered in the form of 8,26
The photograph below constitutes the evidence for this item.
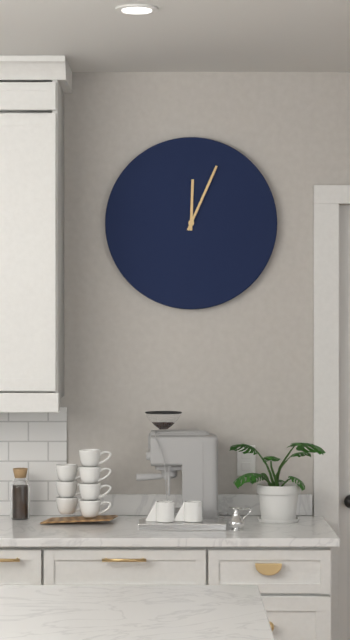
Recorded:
12,04
